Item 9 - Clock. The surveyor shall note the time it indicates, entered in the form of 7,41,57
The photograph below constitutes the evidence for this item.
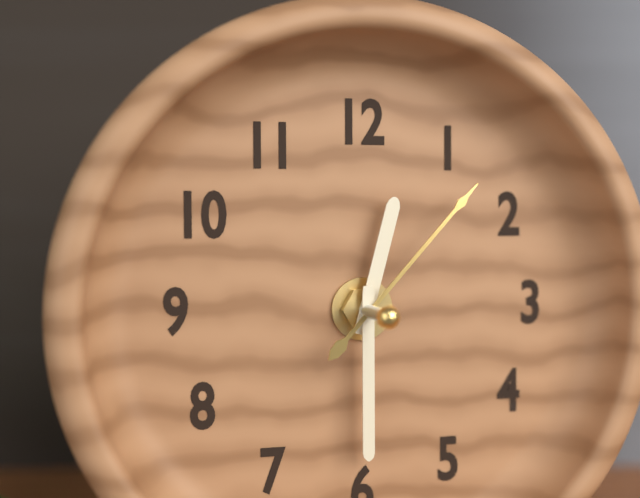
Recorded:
12,30,07
